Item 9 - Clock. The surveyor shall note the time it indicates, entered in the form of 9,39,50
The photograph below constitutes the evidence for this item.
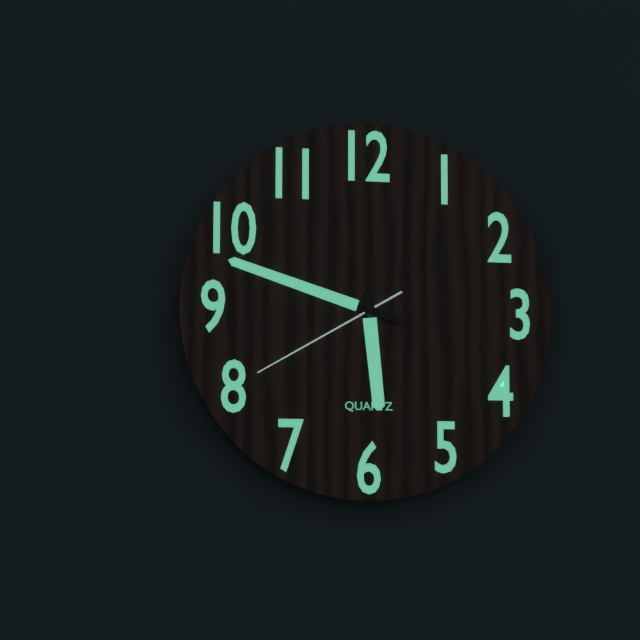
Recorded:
5,48,40
